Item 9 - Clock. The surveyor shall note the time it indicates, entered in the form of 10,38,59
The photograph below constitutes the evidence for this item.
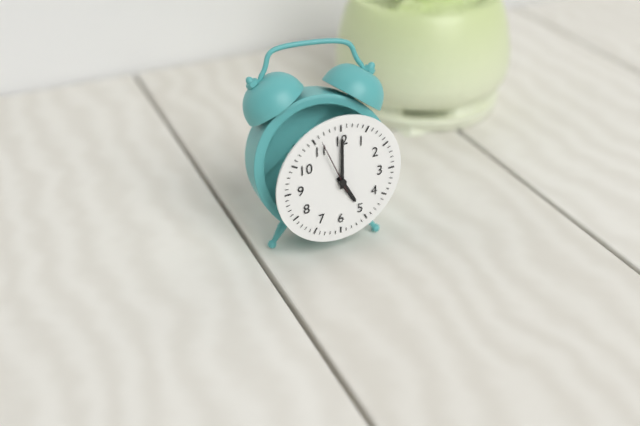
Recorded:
5,00,56
